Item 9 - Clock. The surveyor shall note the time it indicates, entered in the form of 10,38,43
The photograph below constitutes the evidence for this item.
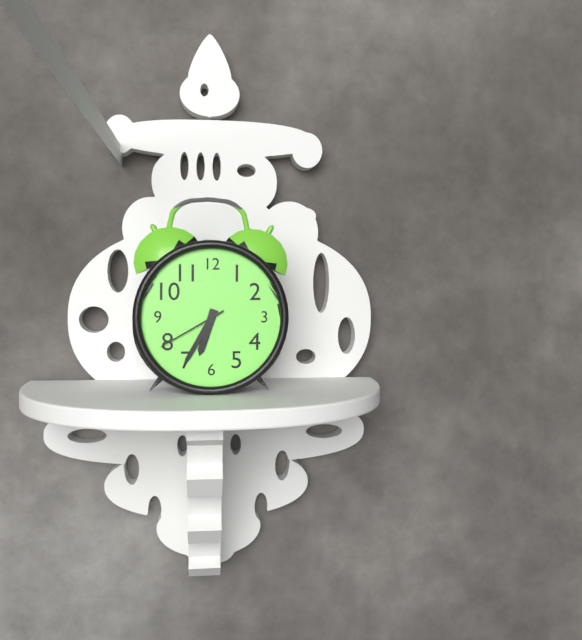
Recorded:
6,35,40
